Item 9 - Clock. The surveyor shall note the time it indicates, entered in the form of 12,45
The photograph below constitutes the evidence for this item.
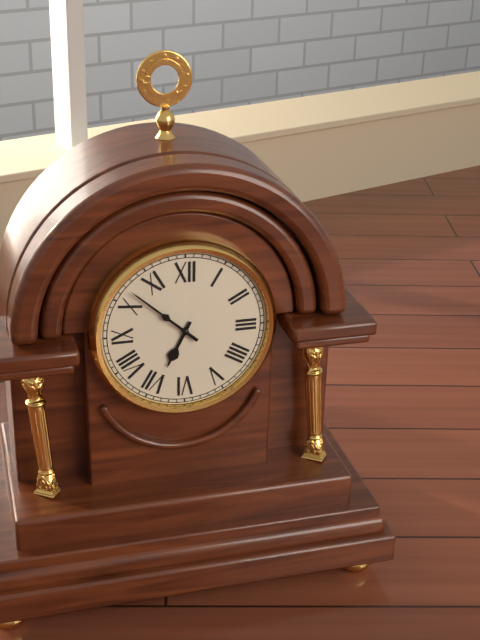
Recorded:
6,52
